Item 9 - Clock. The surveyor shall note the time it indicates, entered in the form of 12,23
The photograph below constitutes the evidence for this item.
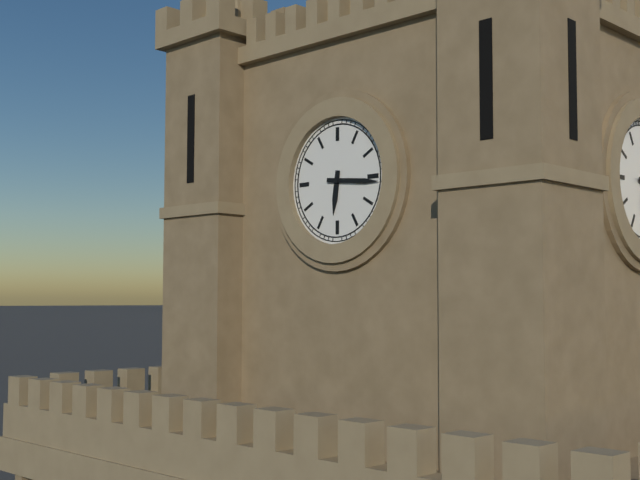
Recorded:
6,16
